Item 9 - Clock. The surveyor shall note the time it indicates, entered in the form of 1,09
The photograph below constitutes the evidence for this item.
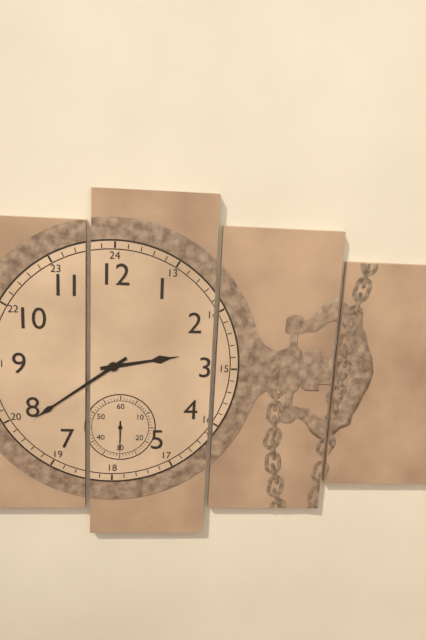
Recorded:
2,39
